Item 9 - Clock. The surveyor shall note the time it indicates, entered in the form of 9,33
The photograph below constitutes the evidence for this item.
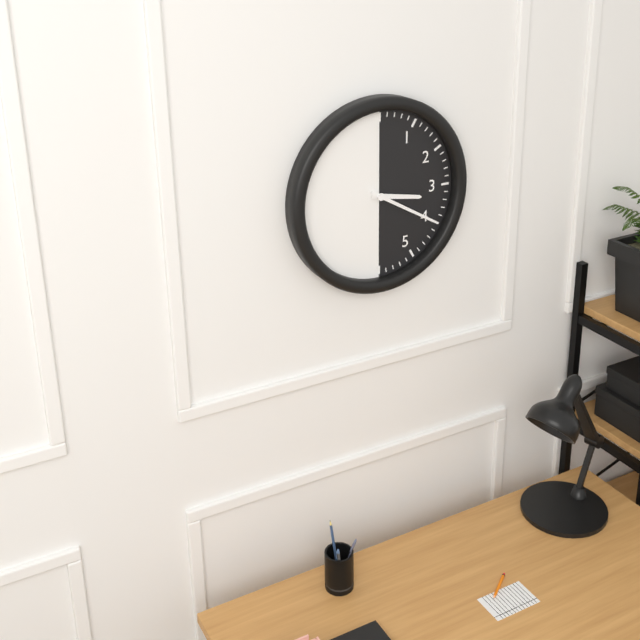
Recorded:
3,20
